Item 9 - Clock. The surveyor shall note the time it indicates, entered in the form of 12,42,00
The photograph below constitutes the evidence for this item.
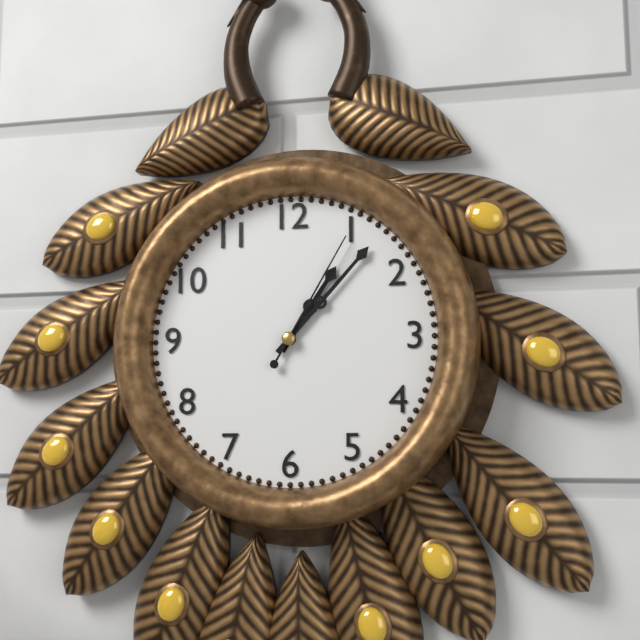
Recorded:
1,07,05
